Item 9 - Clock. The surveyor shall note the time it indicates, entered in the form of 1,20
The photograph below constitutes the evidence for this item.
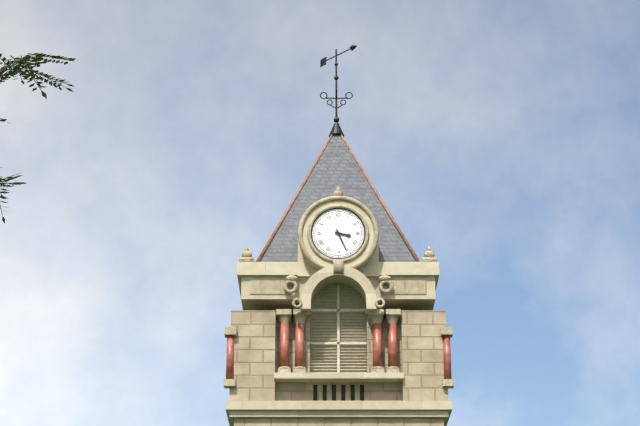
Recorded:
3,26
